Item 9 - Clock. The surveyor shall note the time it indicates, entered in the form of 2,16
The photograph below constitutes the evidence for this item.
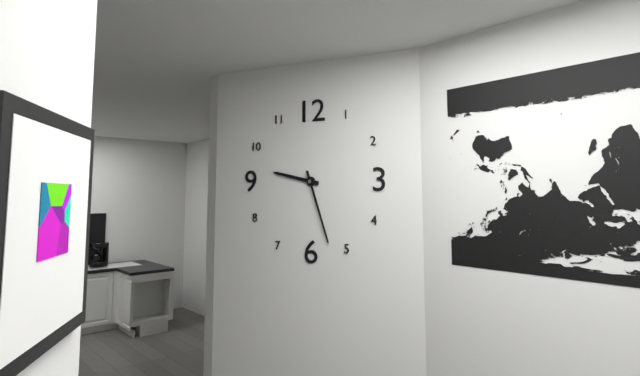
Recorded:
9,27
